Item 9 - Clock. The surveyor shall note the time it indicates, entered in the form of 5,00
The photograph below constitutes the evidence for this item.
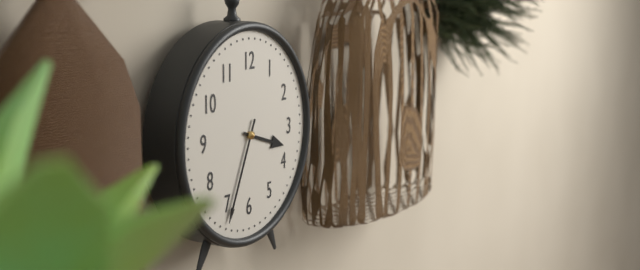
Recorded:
3,34
